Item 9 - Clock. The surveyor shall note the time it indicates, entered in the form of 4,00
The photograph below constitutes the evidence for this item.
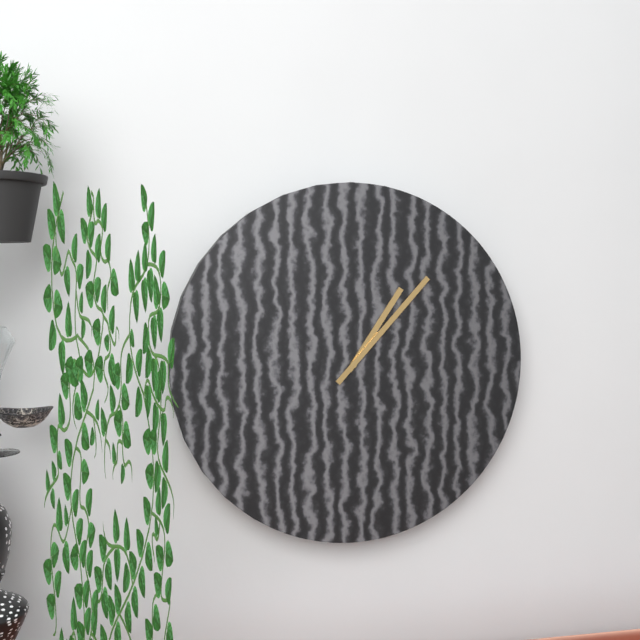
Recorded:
1,07
